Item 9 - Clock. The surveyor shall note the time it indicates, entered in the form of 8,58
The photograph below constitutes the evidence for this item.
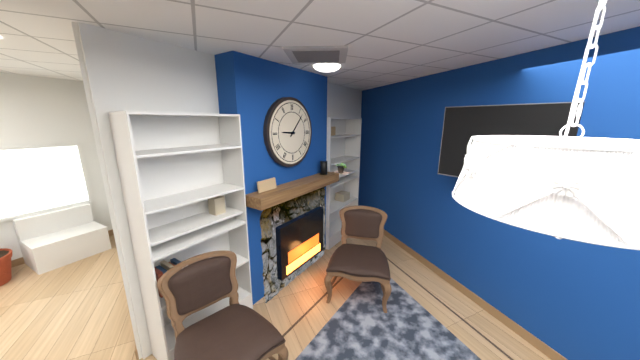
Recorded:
9,07
